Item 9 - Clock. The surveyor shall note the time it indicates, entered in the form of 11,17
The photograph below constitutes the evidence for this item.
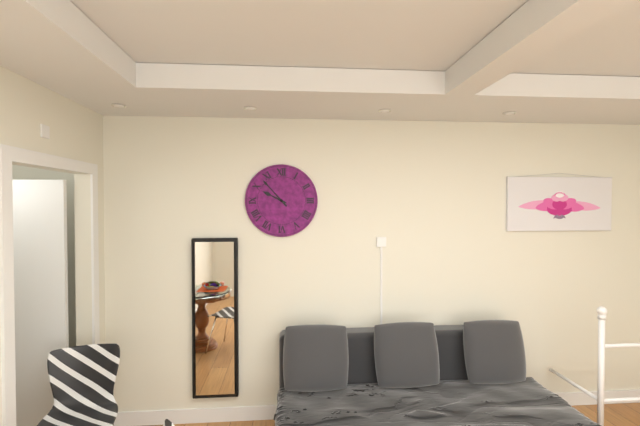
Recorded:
9,53
